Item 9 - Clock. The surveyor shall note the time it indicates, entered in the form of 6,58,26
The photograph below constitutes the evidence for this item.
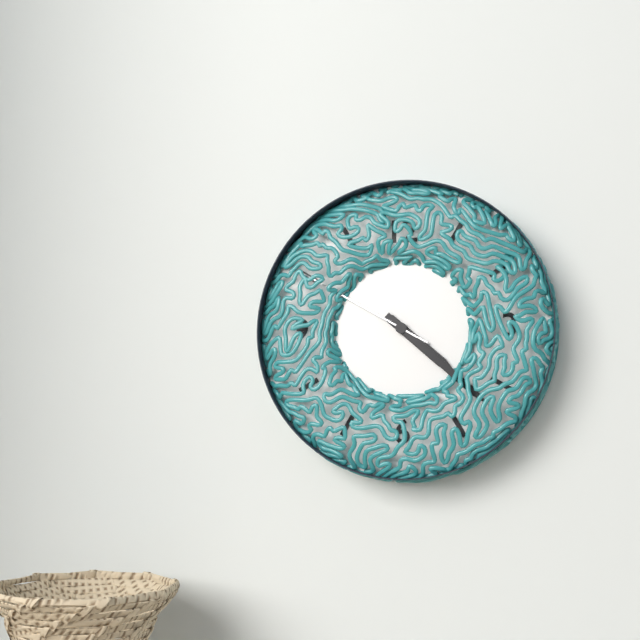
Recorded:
4,22,50
